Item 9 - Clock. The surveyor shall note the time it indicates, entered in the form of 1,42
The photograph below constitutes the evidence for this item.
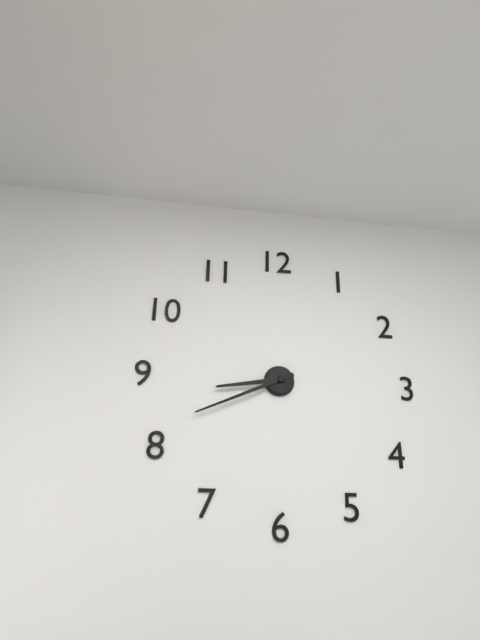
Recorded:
8,41
